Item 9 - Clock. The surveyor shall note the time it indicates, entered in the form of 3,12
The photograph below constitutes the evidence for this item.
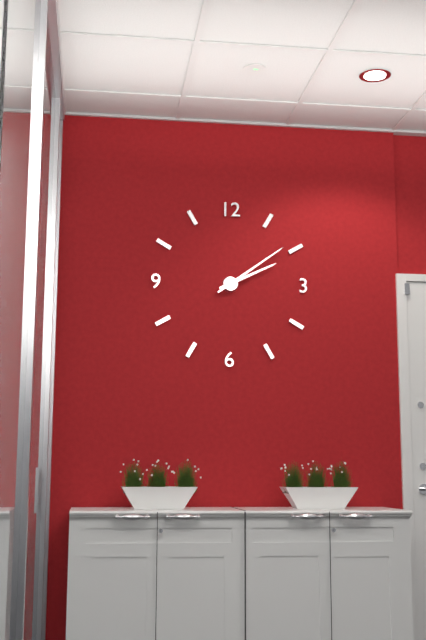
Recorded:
2,09
